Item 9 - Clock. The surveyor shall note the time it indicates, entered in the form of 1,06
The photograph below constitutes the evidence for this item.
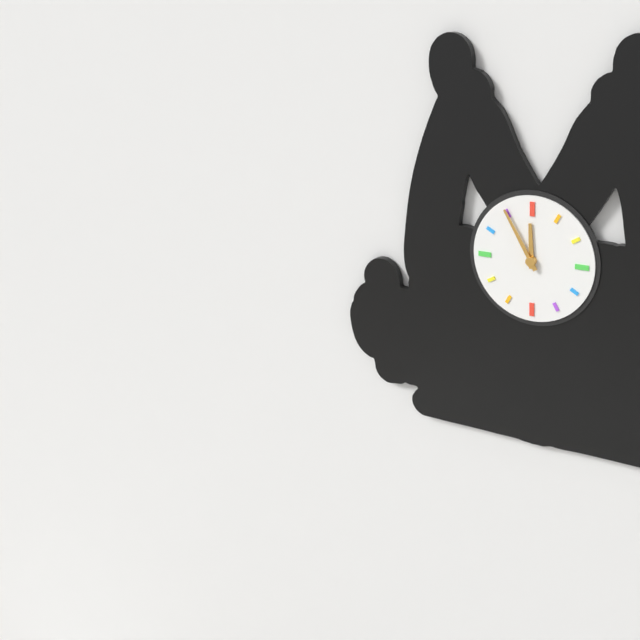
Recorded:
11,55
